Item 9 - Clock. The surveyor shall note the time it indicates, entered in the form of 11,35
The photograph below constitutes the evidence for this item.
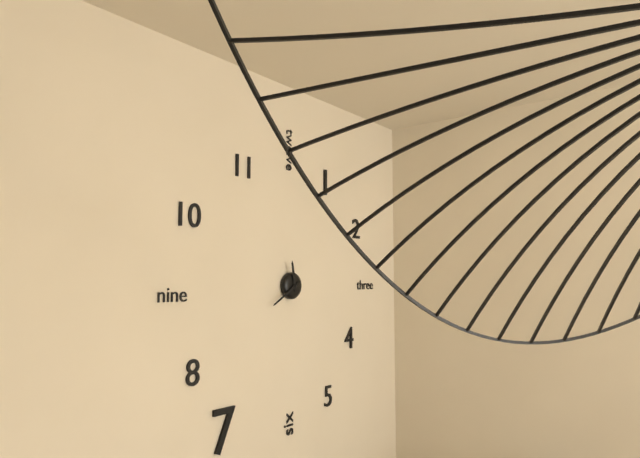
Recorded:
11,40
